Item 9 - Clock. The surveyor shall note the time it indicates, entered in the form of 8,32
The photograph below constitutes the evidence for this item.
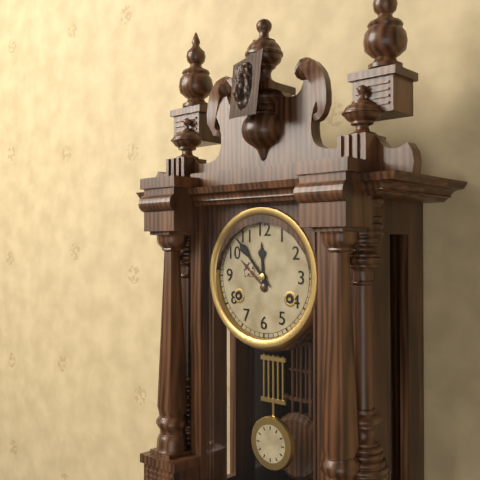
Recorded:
11,53
